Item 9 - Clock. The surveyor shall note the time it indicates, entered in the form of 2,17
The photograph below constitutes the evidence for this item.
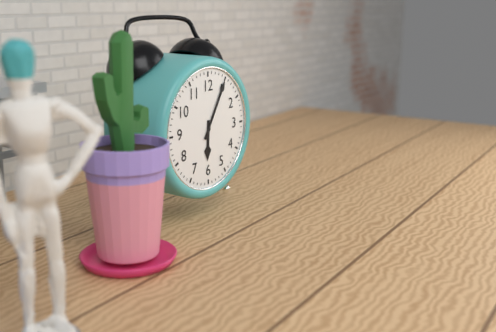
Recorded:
6,05
